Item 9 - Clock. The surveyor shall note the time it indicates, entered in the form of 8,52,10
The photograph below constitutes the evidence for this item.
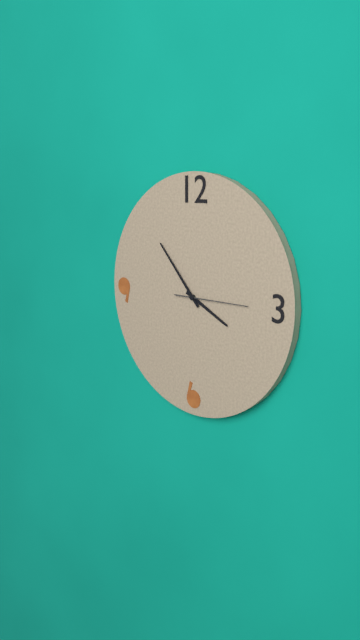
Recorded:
3,53,15
